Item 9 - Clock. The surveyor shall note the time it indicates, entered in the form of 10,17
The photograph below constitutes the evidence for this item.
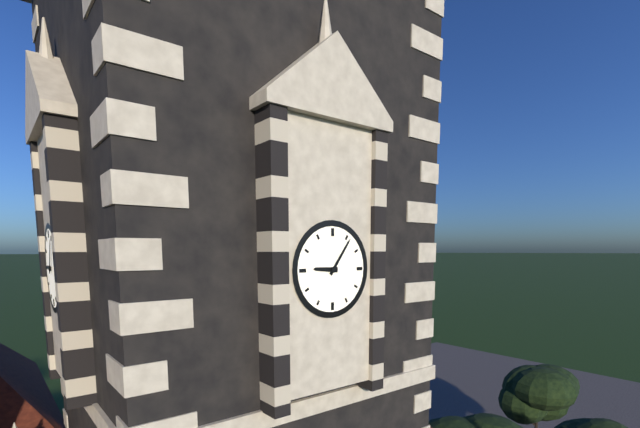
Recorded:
9,06
